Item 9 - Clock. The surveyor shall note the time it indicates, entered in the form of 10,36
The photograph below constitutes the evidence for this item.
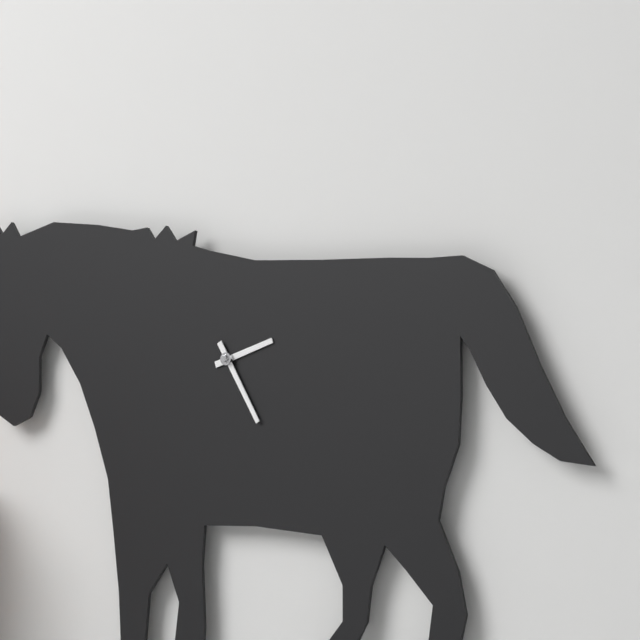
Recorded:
2,25
